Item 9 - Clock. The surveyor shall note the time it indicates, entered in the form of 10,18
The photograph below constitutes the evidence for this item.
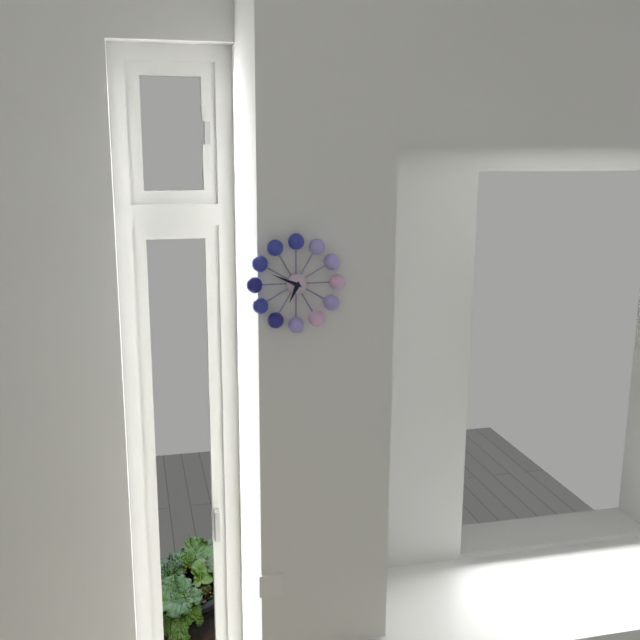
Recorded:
6,49
